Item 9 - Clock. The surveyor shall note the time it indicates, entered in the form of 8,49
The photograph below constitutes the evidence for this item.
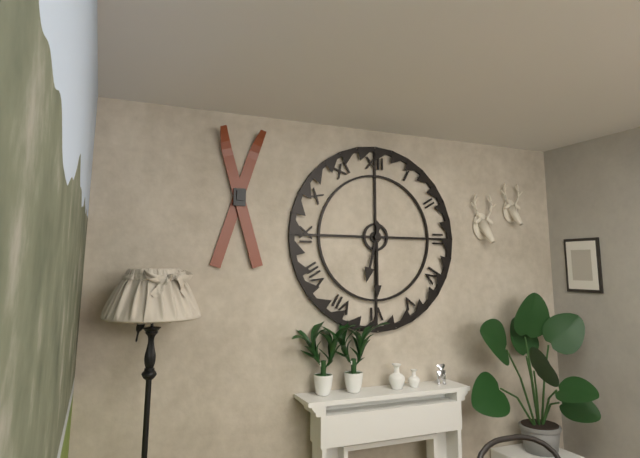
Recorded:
6,30
